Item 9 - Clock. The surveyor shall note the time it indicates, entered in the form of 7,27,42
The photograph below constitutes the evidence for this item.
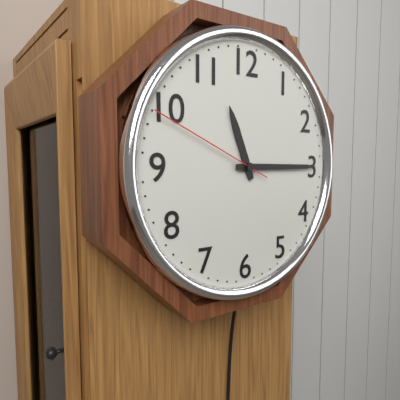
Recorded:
11,15,49
